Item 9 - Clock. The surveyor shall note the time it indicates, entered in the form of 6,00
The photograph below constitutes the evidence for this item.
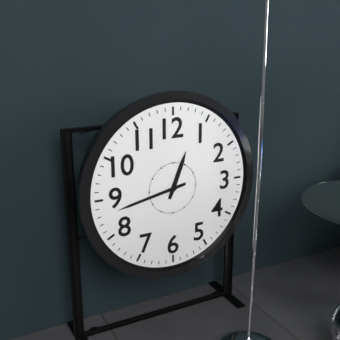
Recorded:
12,43
